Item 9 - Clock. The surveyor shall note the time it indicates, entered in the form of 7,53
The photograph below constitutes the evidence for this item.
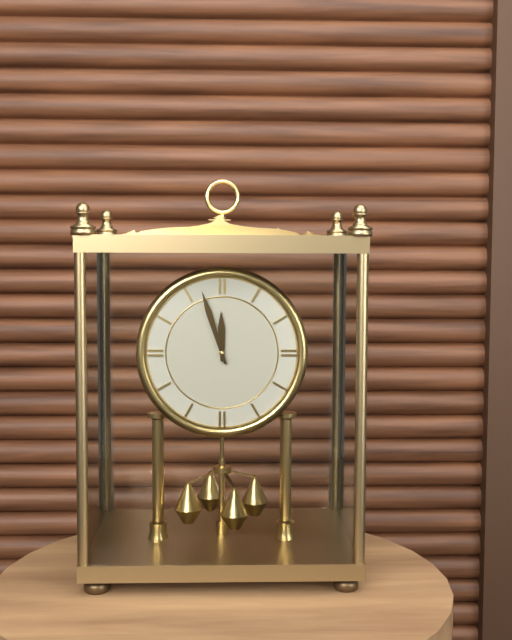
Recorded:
11,57
